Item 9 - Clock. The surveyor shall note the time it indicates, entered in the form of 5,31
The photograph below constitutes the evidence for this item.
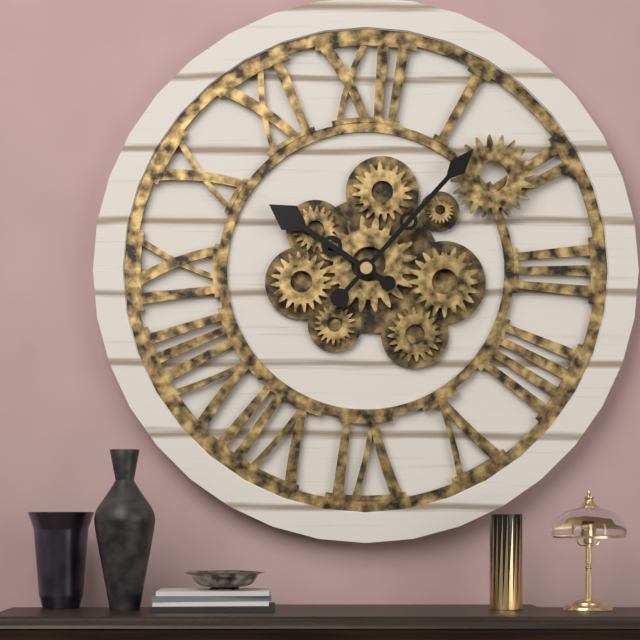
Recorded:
10,07
